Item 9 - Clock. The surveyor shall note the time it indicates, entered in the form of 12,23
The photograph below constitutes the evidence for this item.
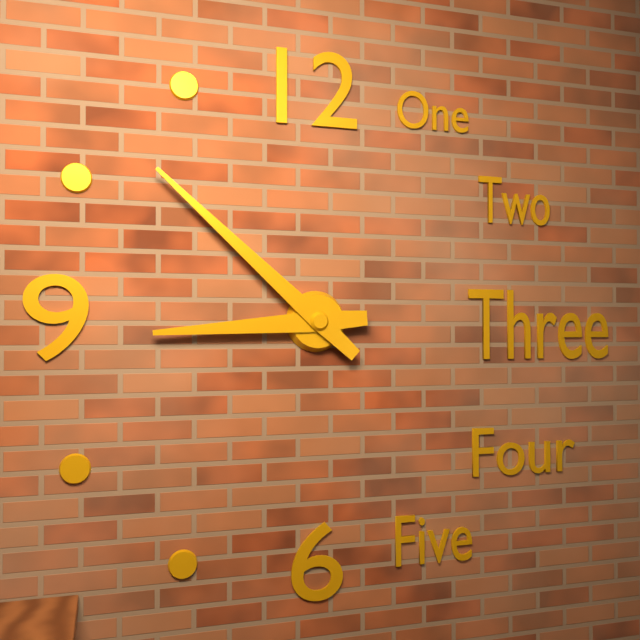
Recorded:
8,52
